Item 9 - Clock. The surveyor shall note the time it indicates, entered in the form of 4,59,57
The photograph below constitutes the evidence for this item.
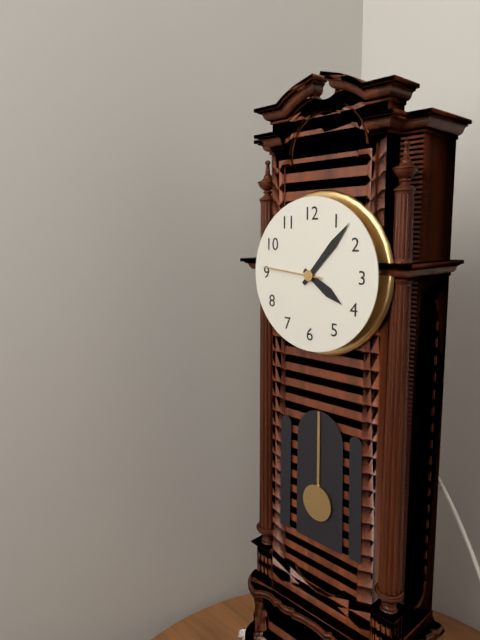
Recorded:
4,07,46
